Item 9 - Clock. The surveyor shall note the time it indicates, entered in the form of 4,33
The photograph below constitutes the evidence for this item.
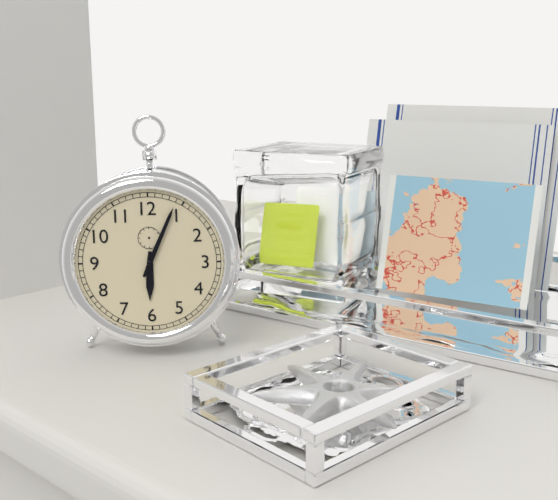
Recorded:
6,04
